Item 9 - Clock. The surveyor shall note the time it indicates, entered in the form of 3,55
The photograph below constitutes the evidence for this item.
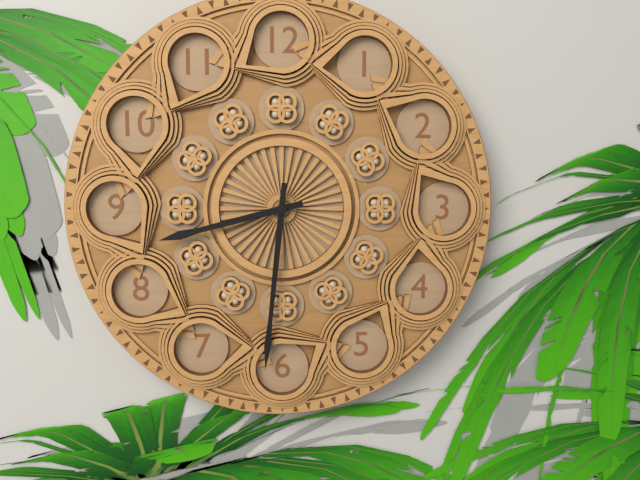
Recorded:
8,31
